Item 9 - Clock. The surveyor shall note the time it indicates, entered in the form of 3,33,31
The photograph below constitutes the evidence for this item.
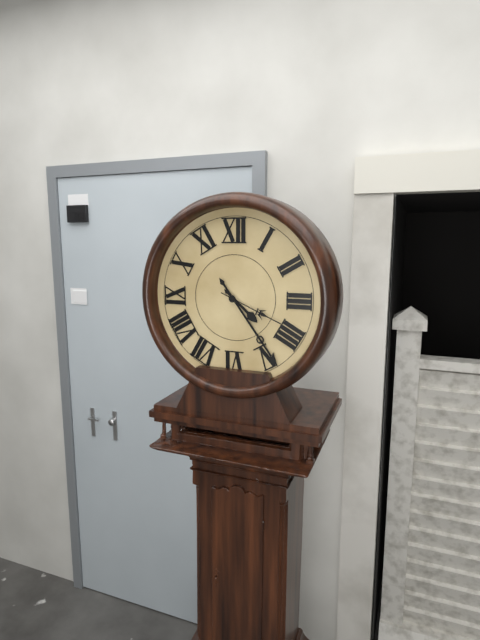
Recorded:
4,24,19
